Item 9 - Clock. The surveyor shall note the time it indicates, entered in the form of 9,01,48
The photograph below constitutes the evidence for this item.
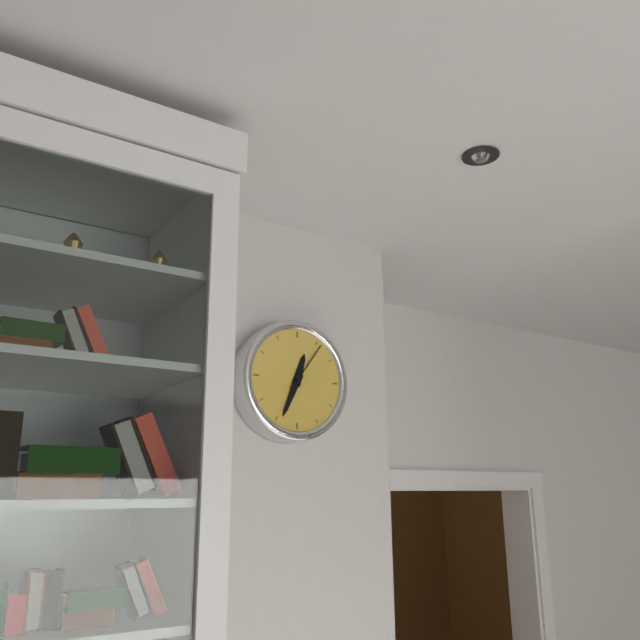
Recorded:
12,34,06
